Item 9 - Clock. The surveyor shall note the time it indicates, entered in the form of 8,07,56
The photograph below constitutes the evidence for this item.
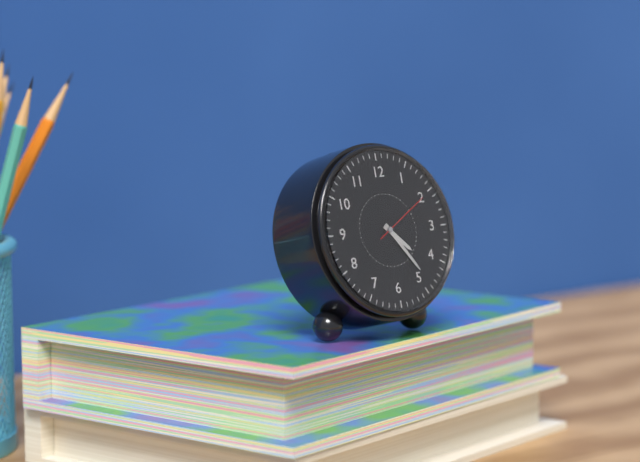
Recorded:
4,24,10
